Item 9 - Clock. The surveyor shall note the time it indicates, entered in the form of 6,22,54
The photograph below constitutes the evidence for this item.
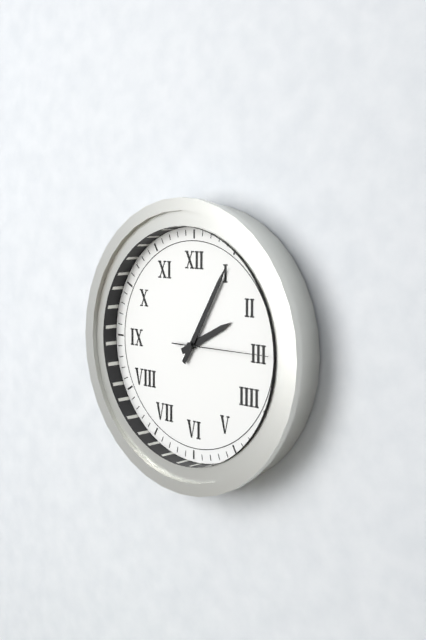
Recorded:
2,05,15
